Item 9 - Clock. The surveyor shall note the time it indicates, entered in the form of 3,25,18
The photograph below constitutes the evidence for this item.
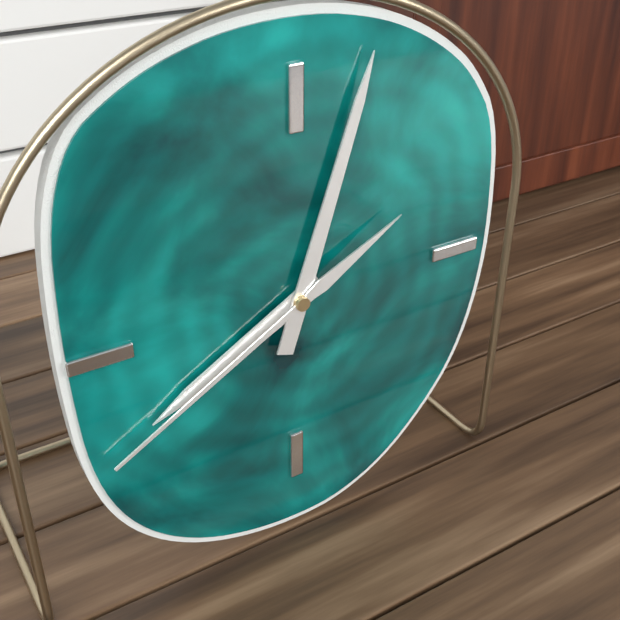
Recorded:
8,03,40
